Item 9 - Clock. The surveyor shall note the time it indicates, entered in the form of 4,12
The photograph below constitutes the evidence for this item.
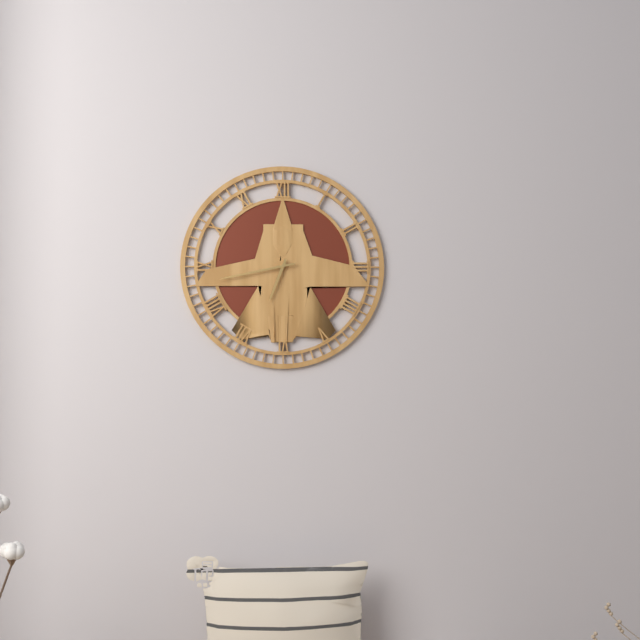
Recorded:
6,43
